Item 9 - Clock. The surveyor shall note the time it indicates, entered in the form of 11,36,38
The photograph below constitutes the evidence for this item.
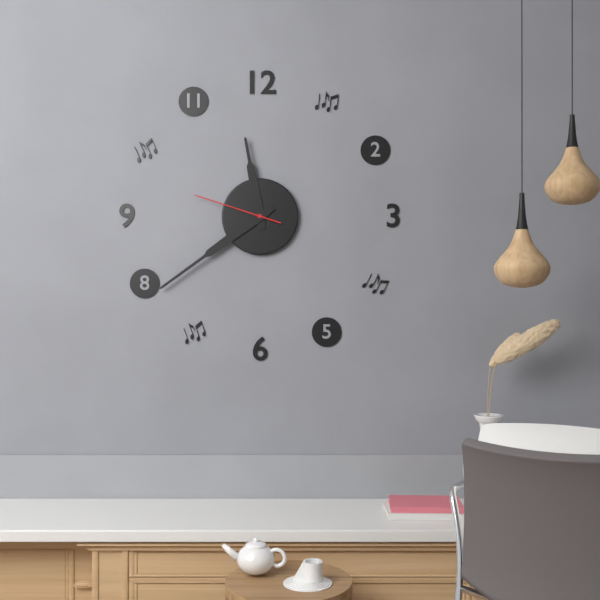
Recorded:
11,39,48
